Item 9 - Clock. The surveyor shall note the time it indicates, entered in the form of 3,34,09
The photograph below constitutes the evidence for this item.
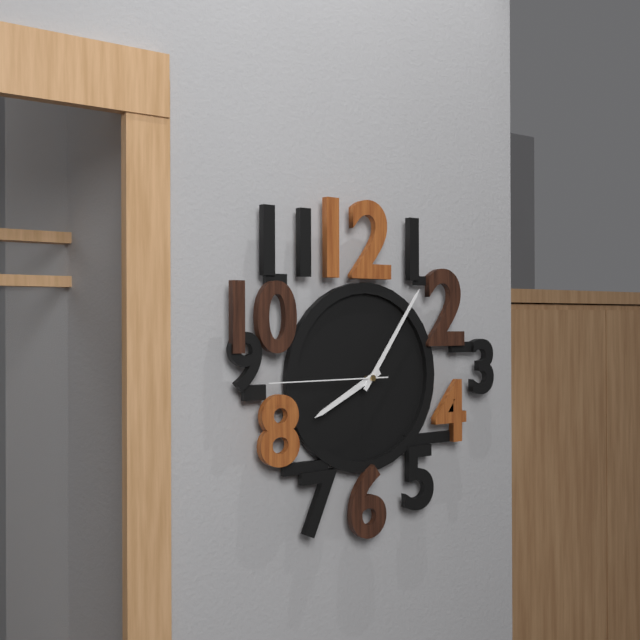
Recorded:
8,06,45
